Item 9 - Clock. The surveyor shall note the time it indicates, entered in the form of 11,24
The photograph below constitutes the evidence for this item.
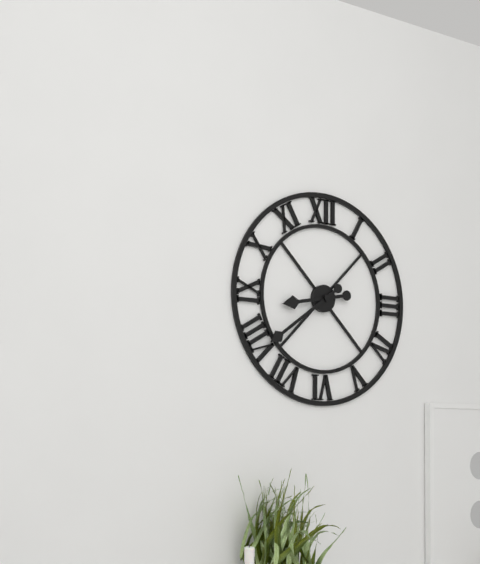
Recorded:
8,39
